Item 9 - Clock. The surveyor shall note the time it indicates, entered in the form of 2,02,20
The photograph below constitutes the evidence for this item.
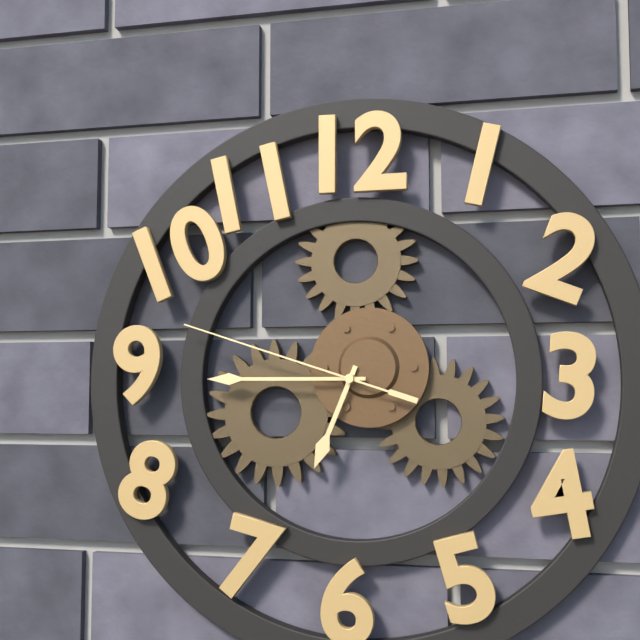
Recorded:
6,45,48
